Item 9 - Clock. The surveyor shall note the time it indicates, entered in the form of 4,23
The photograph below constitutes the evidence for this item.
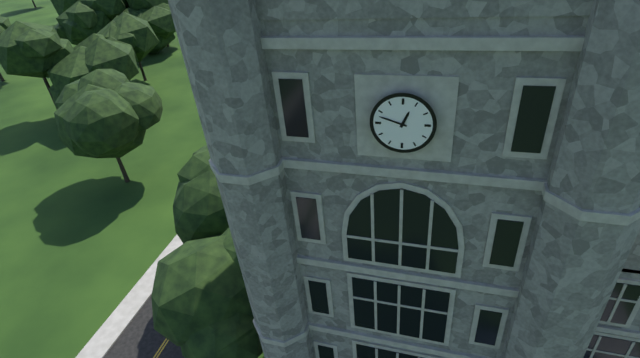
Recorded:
12,48
